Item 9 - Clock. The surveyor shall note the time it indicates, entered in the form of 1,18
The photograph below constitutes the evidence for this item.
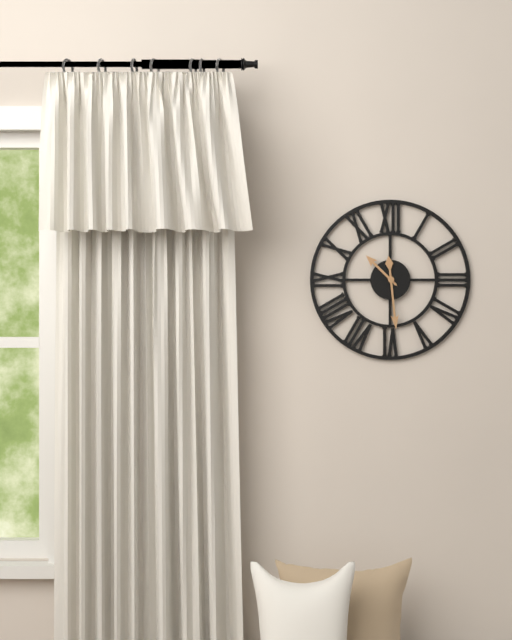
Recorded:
10,29
